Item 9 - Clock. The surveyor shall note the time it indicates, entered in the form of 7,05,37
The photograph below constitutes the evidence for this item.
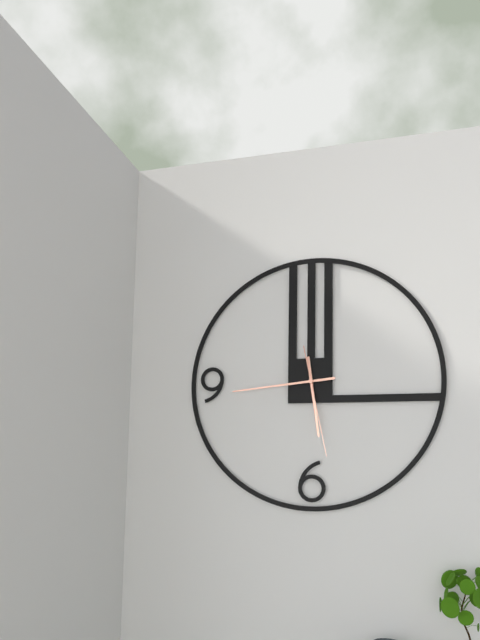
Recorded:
5,44,28
